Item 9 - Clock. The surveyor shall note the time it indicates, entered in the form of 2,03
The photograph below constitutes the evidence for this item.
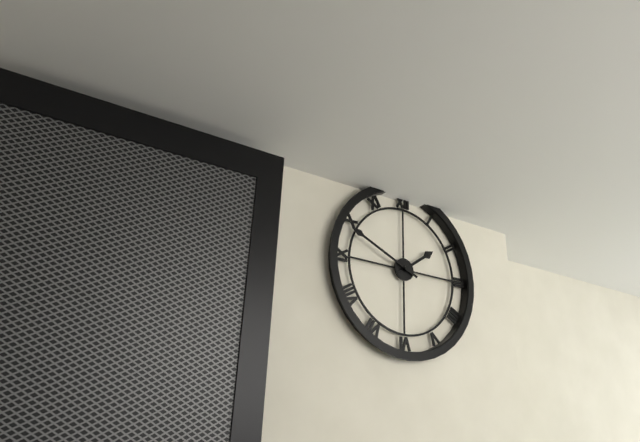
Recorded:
1,49
